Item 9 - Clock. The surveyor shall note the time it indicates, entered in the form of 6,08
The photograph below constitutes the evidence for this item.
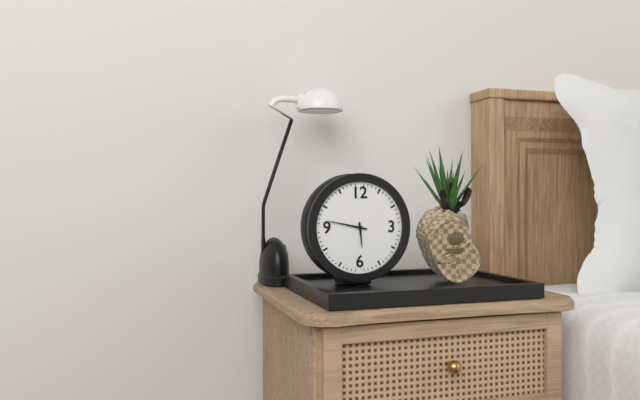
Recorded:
5,47
